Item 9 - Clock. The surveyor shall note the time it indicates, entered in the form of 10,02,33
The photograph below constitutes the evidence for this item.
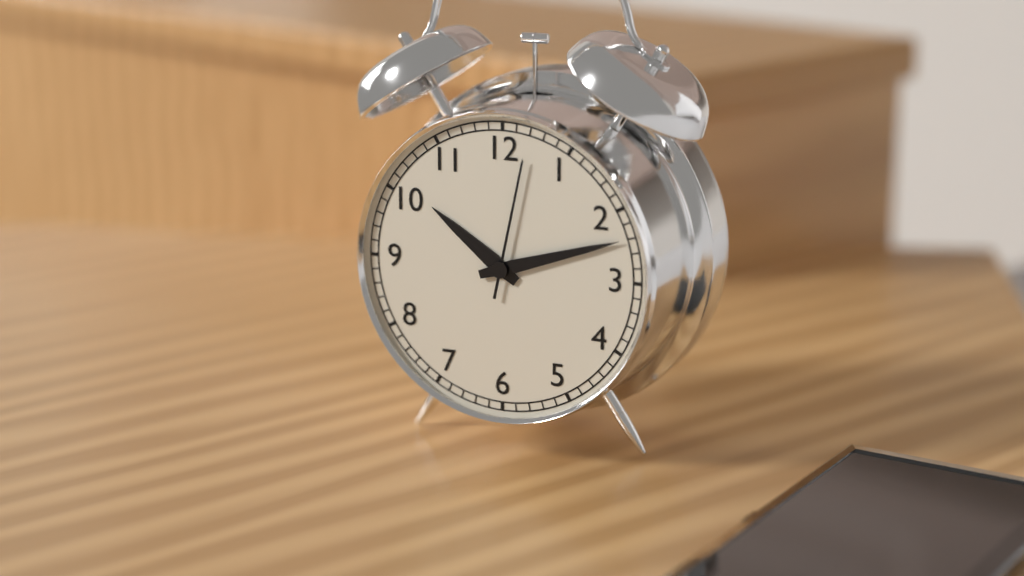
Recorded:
10,12,02
